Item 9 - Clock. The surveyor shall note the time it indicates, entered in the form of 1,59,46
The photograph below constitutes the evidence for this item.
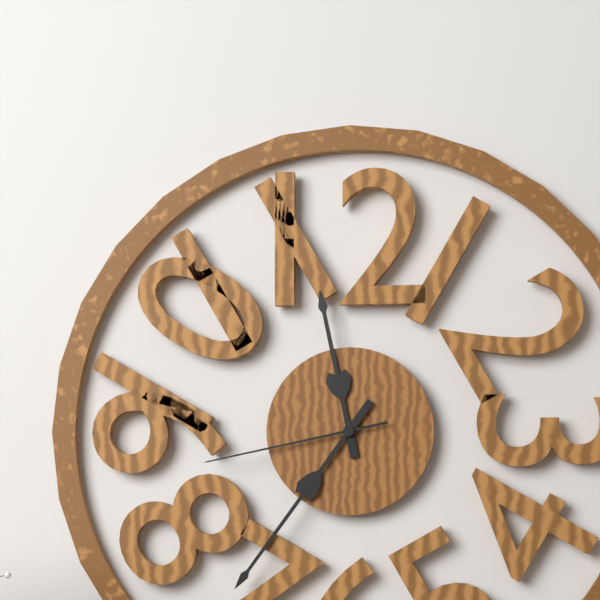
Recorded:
11,36,43
